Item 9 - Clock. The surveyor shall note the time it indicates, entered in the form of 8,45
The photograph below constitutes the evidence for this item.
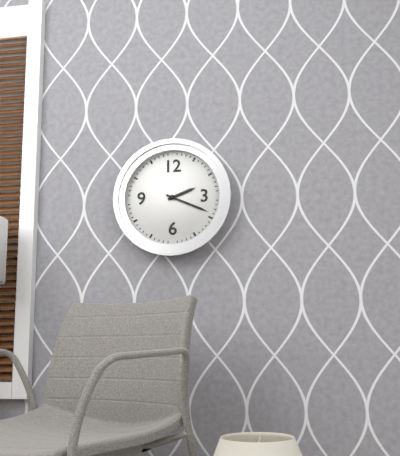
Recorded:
2,19
